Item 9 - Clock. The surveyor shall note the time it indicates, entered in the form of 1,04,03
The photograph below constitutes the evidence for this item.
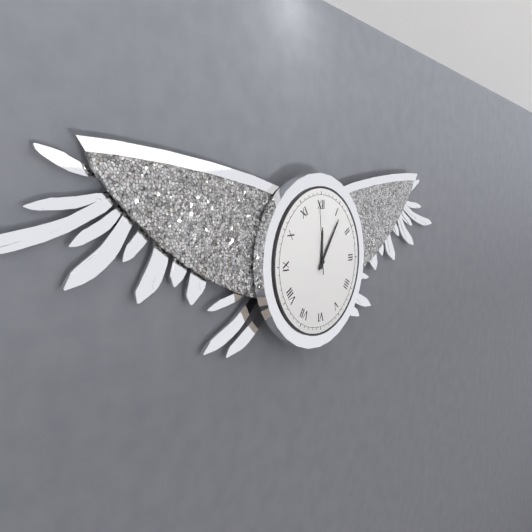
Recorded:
12,06,59
